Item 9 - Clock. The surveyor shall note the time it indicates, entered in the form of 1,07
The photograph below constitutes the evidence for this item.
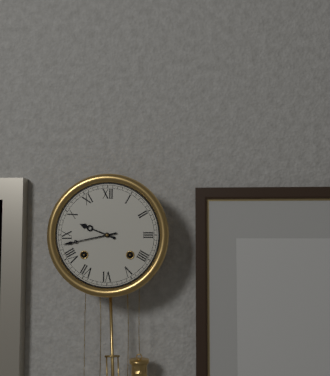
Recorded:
9,43
